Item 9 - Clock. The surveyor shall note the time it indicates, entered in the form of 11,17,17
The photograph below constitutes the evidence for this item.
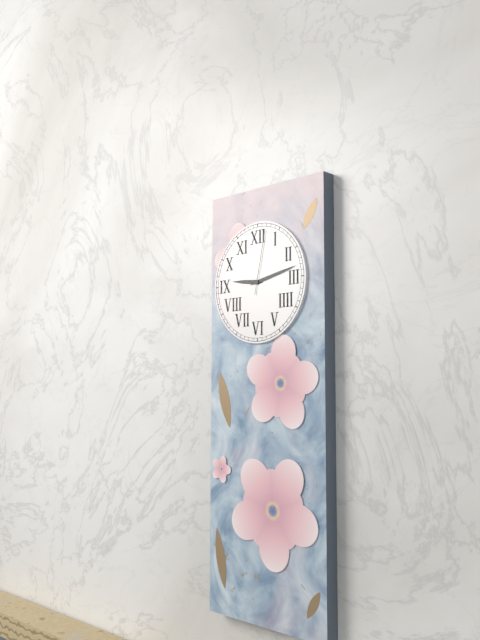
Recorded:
9,13,02
